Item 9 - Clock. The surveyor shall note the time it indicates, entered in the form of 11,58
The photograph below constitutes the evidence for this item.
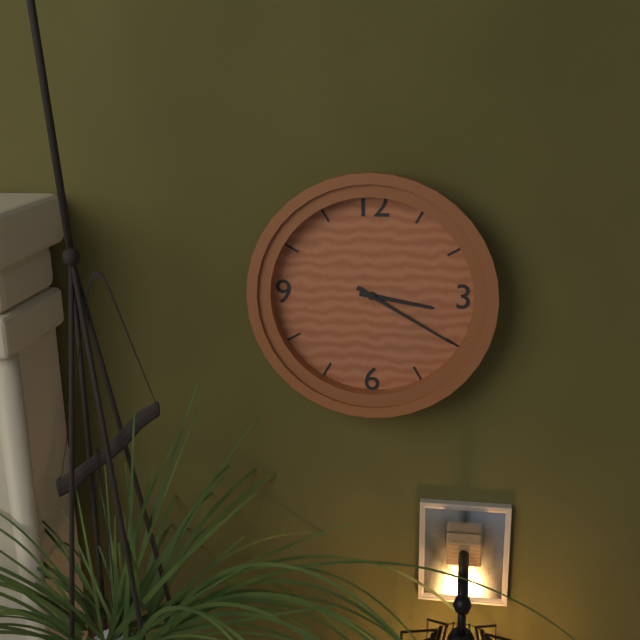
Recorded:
3,20
